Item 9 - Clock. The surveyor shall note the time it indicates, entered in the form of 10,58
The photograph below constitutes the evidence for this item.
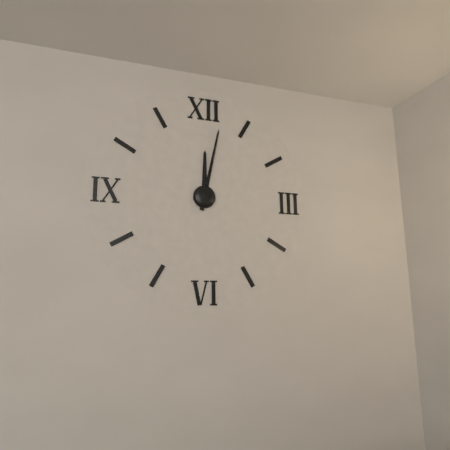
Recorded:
12,02
